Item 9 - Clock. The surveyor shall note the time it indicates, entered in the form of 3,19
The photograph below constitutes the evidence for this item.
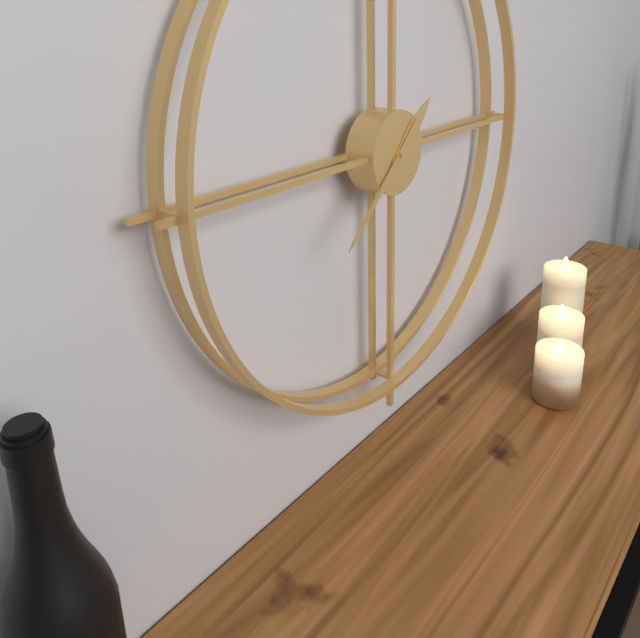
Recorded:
1,38
